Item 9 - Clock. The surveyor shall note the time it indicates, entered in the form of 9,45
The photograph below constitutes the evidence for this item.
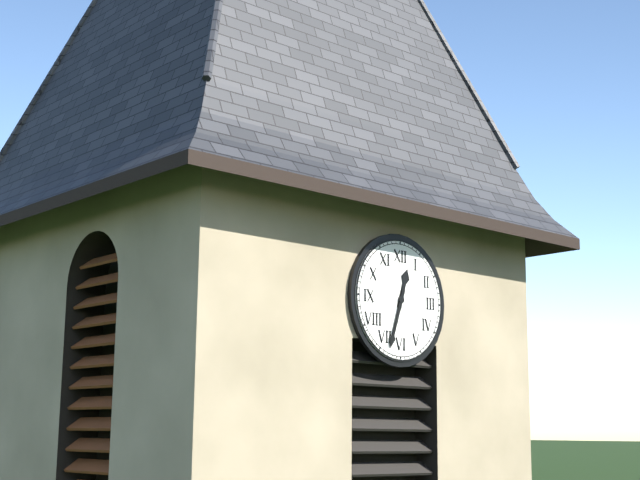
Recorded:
12,33
